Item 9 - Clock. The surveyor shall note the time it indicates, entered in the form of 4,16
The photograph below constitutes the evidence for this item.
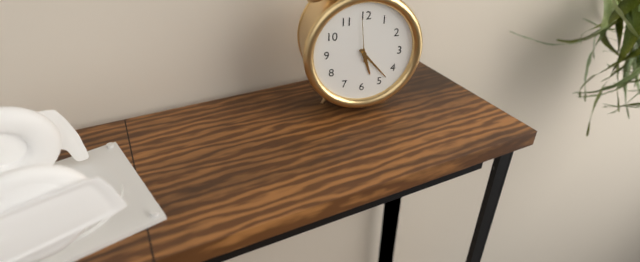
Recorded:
5,23
